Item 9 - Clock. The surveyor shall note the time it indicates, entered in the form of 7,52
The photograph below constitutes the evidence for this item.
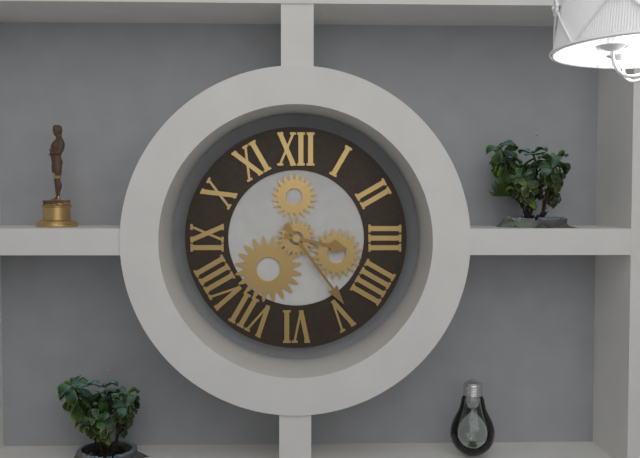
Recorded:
3,24
